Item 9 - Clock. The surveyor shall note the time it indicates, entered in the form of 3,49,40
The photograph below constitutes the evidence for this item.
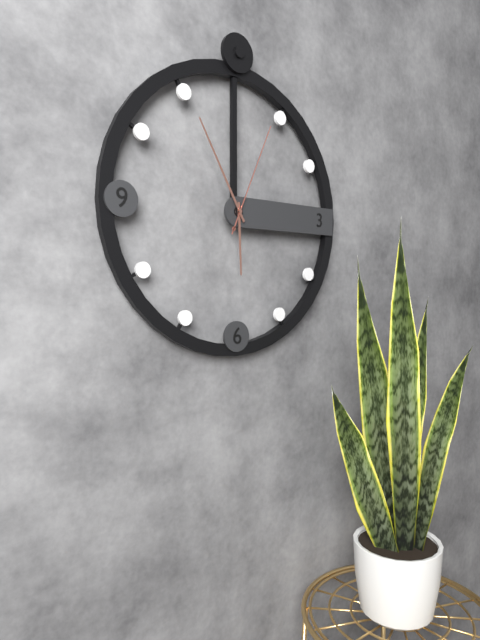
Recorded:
5,55,04
